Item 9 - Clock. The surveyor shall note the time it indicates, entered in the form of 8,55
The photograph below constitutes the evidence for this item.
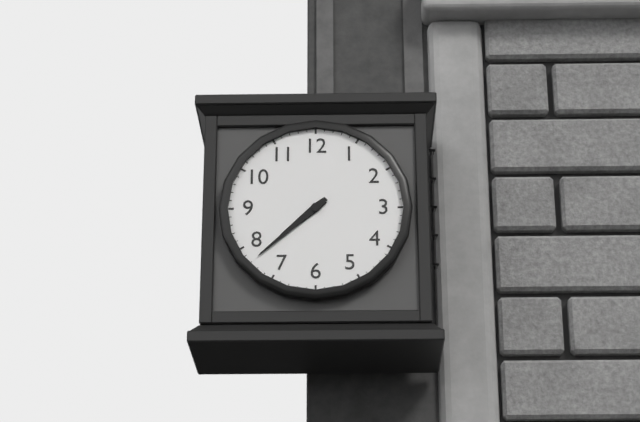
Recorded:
7,38
